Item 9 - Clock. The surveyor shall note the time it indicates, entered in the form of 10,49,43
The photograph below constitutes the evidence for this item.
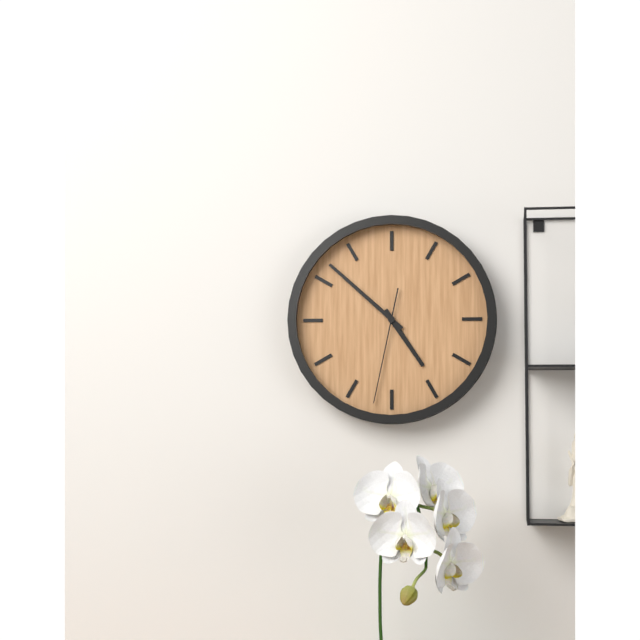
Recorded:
4,52,32
